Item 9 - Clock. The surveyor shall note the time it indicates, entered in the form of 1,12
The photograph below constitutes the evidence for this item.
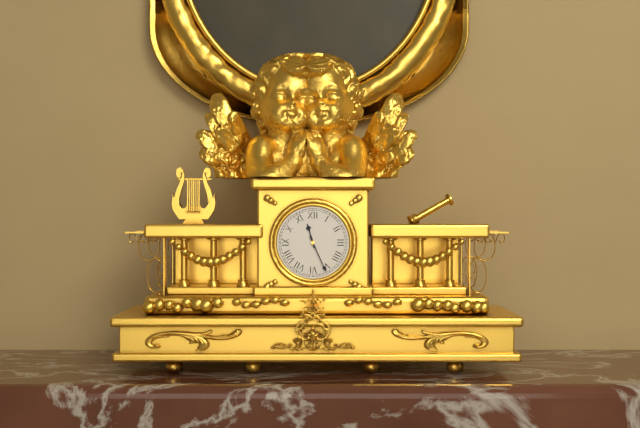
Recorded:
11,26
